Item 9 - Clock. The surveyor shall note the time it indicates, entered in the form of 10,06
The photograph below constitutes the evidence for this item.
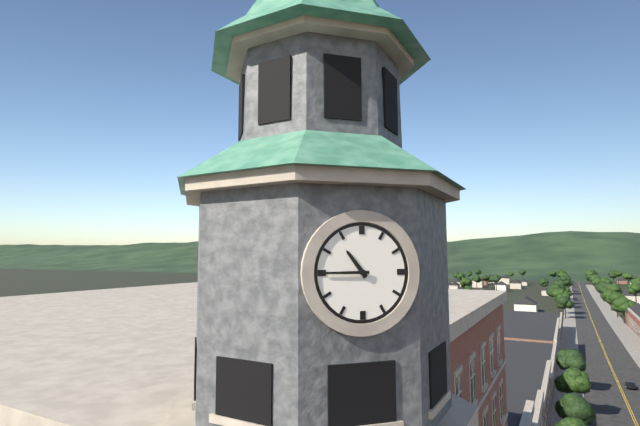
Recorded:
10,45
